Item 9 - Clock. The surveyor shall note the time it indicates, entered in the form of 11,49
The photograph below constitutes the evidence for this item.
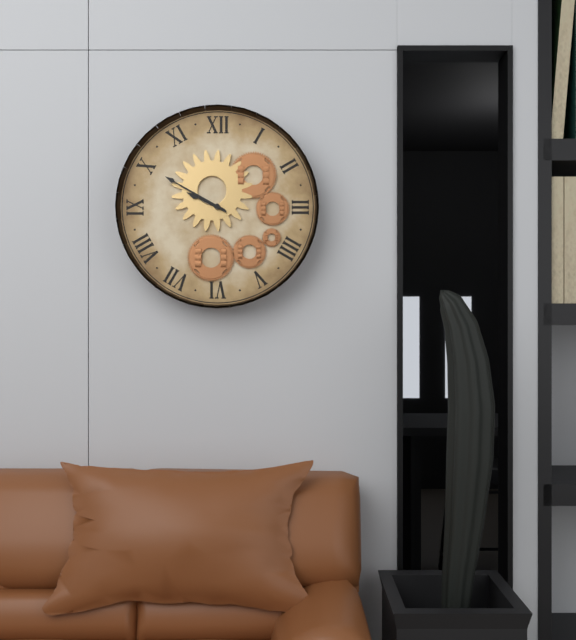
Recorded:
9,50
